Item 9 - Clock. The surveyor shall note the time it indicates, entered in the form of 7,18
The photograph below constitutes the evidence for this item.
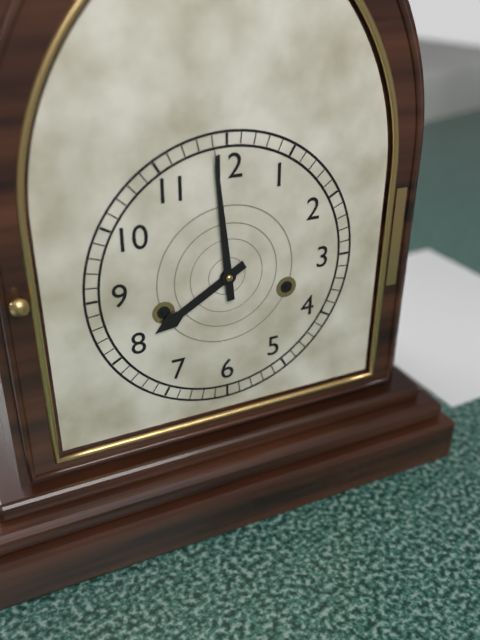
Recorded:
7,59
